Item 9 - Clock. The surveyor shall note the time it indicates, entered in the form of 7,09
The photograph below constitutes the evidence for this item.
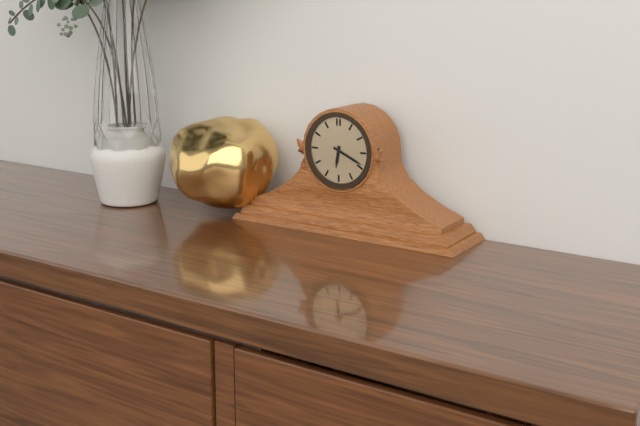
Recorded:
6,19
